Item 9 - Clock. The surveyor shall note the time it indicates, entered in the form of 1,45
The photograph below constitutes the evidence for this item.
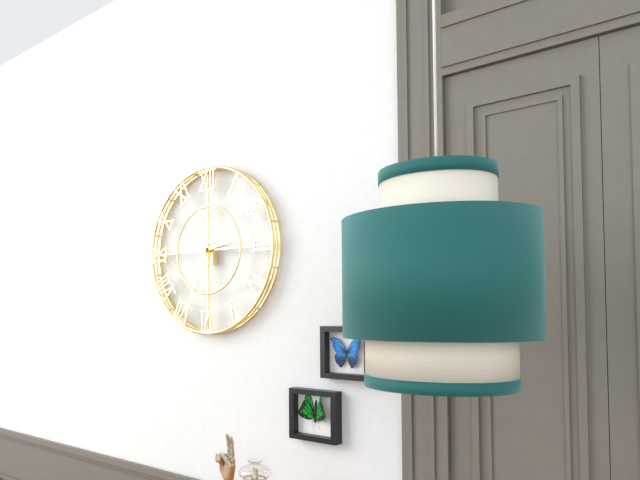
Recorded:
2,34
